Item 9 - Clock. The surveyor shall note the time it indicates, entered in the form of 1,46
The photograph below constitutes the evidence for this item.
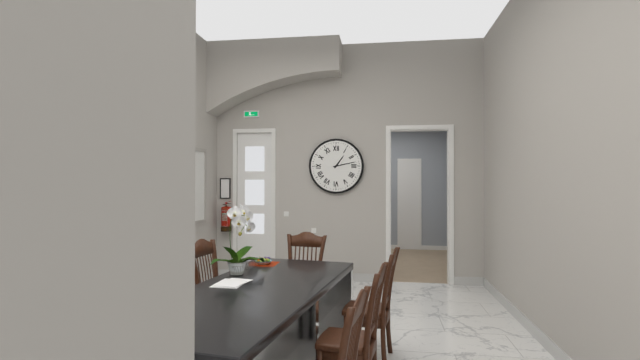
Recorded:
1,13
